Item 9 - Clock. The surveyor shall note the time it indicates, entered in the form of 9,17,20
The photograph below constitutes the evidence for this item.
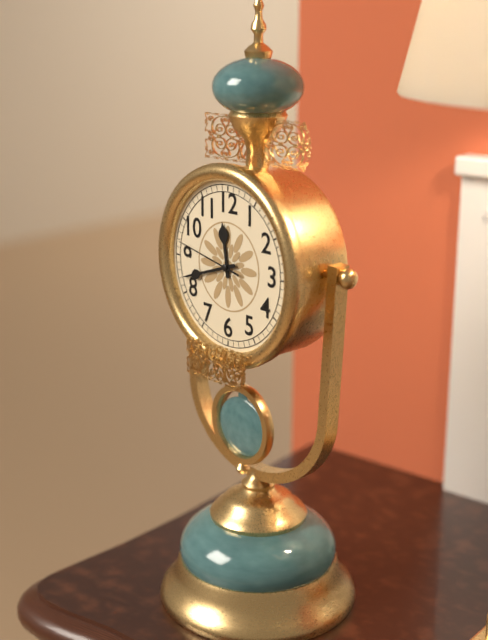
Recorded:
11,42,47
